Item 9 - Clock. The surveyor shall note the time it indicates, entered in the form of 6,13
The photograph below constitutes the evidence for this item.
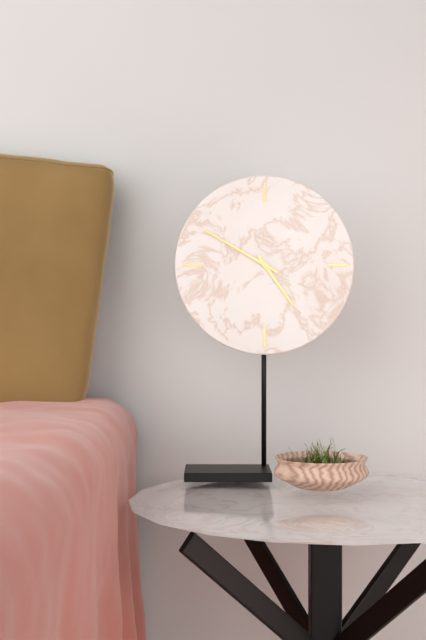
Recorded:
4,50
